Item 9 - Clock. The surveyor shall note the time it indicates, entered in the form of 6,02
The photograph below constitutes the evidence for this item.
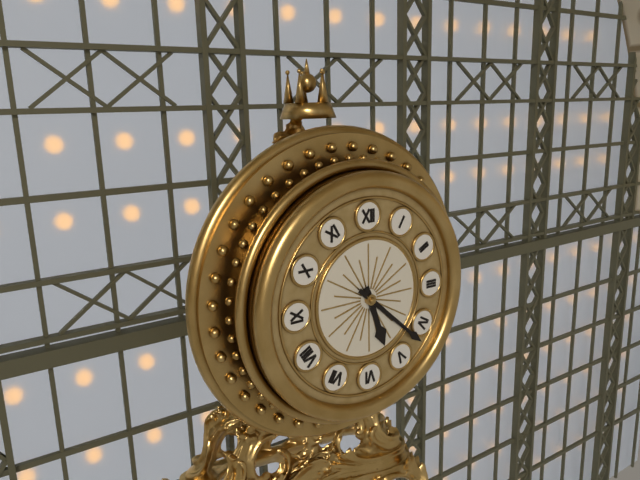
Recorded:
5,22
